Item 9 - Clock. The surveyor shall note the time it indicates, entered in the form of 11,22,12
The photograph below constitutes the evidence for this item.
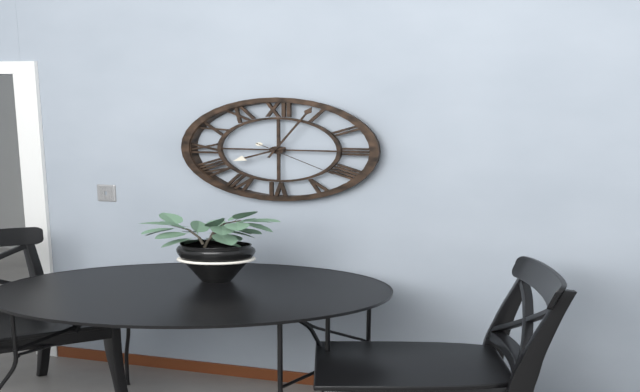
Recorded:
8,04,21
